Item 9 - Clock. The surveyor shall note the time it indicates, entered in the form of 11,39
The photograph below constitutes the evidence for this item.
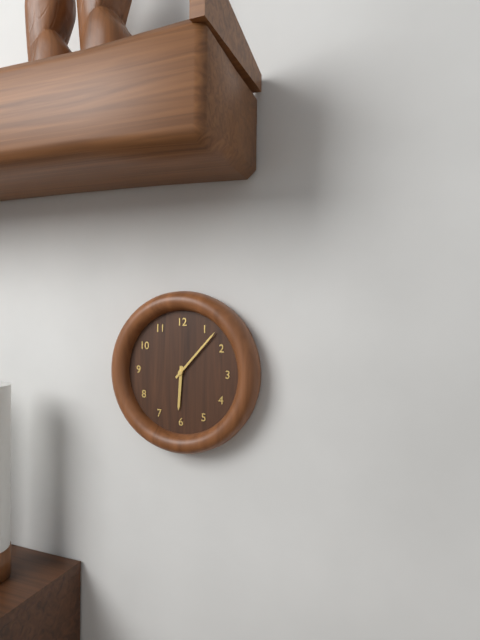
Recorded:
6,07
